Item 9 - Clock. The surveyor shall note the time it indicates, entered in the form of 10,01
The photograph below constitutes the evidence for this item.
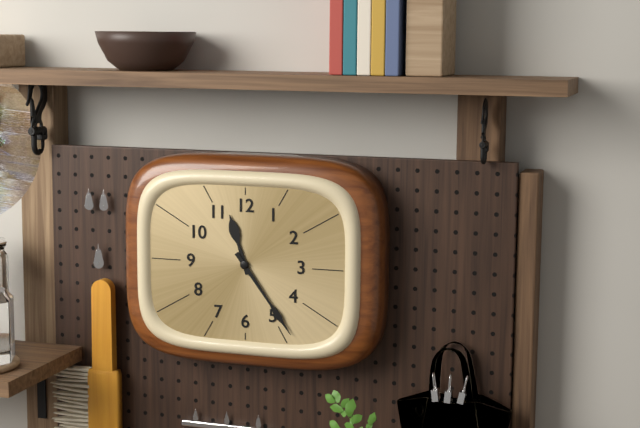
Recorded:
11,24
